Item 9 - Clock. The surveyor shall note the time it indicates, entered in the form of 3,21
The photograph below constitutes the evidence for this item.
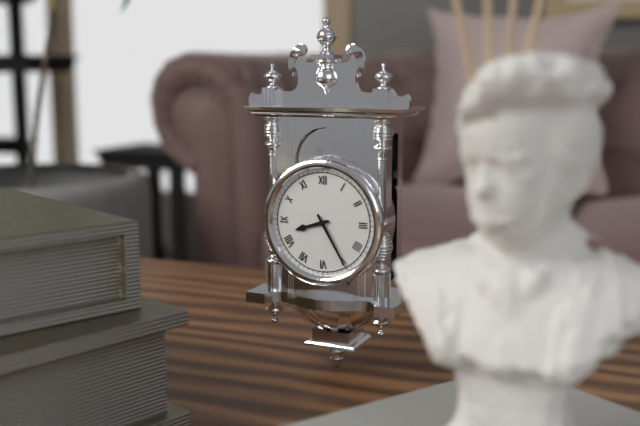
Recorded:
8,25
